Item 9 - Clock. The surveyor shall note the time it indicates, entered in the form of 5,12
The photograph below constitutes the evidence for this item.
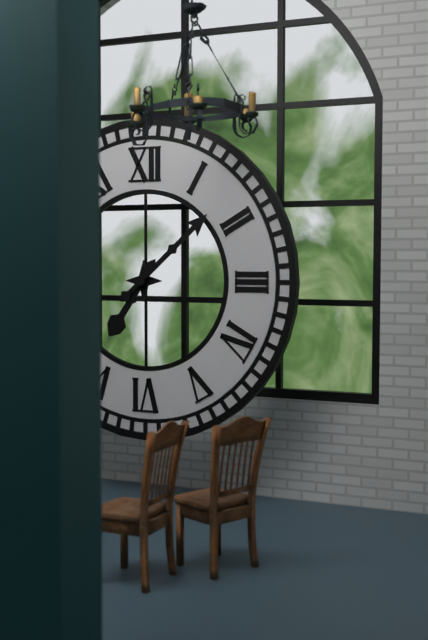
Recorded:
7,08
